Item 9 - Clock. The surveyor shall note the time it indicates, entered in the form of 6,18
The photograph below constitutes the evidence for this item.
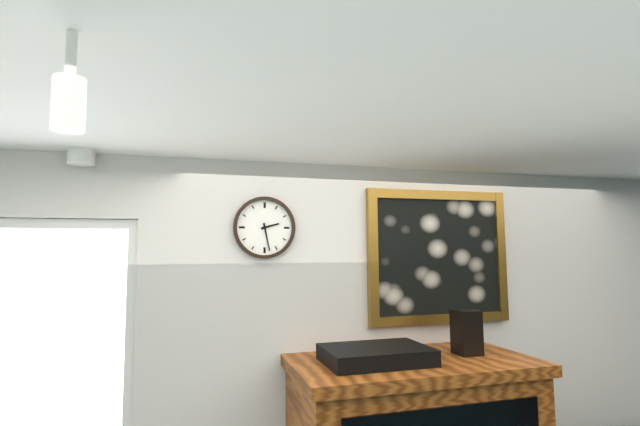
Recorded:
2,28
